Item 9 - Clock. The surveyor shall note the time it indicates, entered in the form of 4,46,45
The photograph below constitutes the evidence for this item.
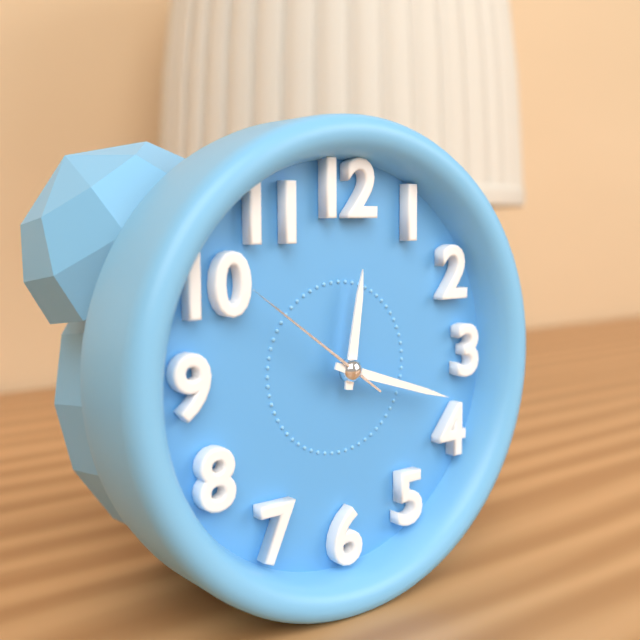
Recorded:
12,18,51
